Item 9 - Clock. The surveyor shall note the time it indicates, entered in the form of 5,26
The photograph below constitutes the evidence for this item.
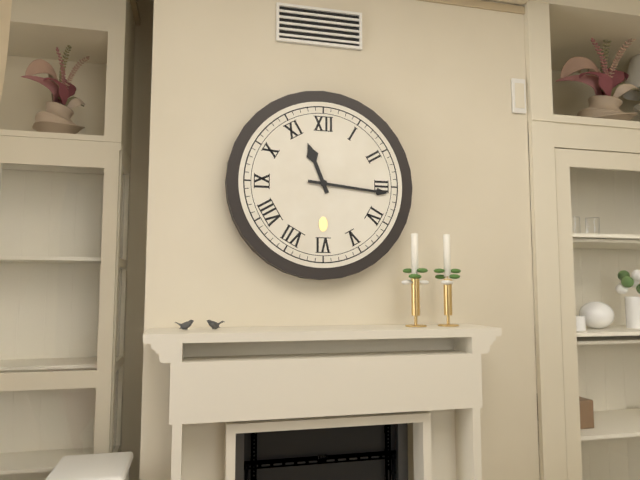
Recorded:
11,16
